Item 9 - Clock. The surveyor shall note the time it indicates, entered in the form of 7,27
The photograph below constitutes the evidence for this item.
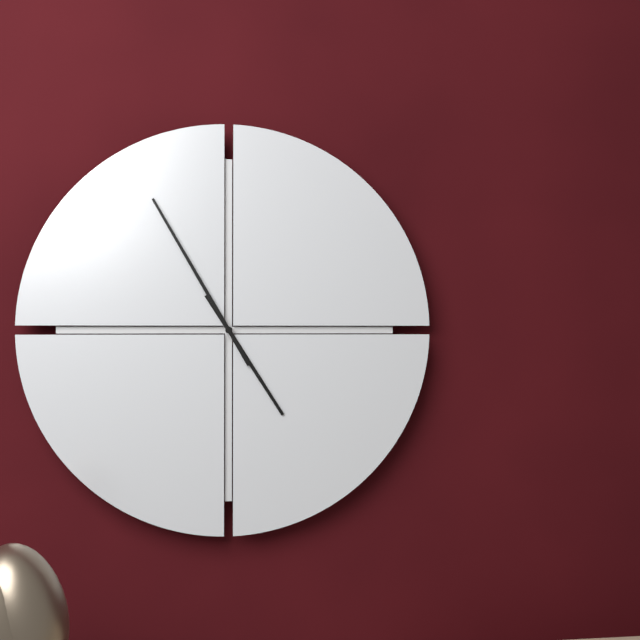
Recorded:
4,55
